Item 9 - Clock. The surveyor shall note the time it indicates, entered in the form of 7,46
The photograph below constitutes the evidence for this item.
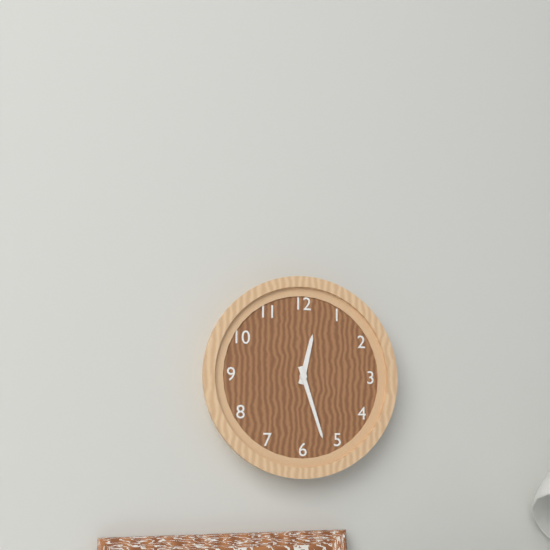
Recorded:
12,27
